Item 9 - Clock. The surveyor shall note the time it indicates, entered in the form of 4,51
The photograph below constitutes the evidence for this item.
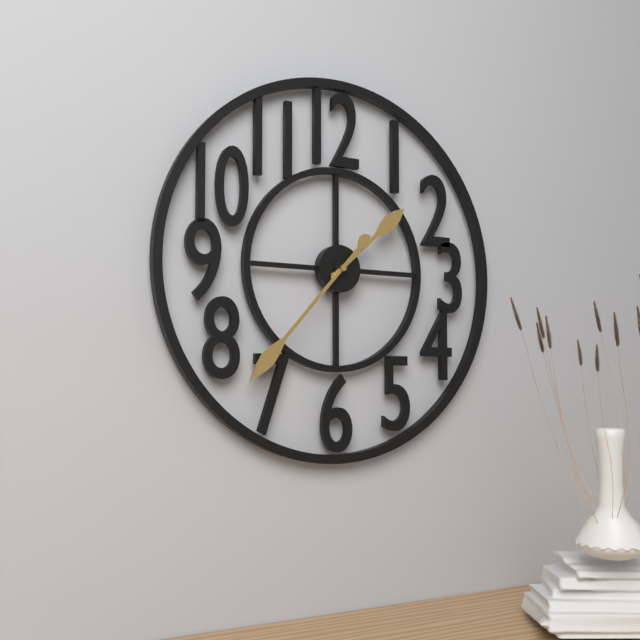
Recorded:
1,37
